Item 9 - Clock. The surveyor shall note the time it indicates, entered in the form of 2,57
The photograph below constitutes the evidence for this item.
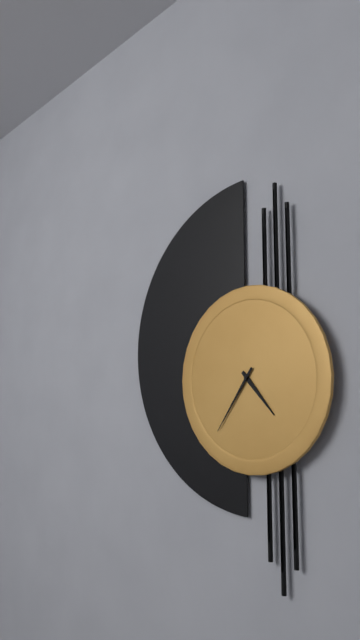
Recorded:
4,36
